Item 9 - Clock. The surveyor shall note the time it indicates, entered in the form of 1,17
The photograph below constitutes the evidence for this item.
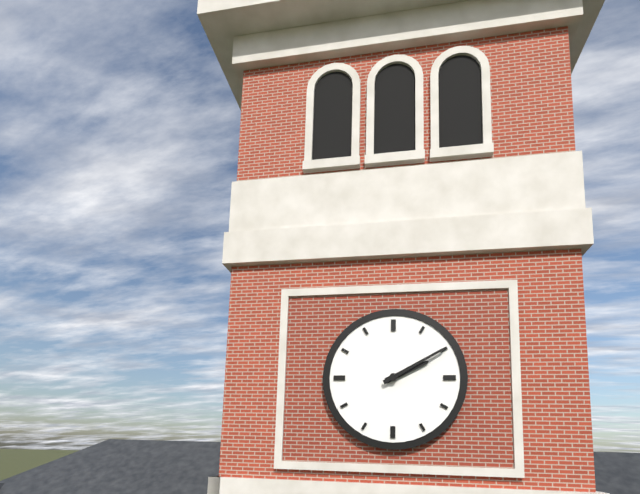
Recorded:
2,10
